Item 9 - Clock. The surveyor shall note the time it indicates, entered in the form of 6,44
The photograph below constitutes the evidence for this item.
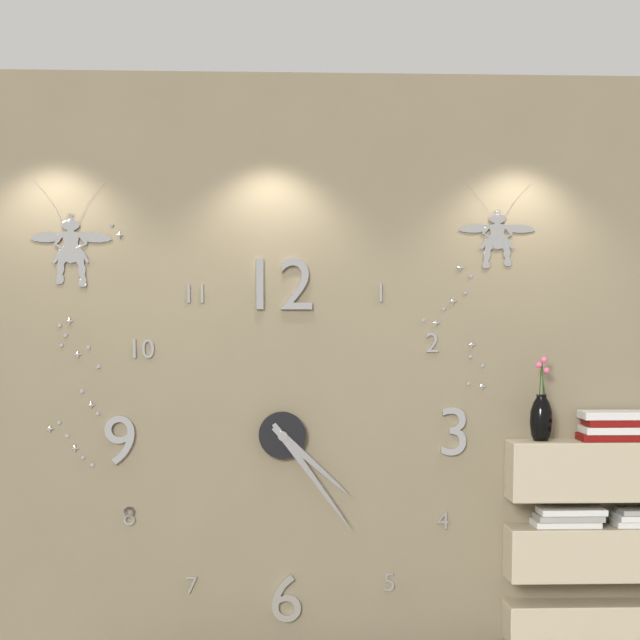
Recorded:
4,24
